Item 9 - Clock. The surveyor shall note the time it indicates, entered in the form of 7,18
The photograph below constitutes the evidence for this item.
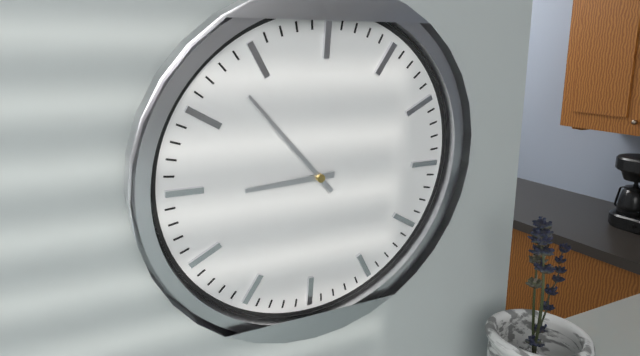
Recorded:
8,53
